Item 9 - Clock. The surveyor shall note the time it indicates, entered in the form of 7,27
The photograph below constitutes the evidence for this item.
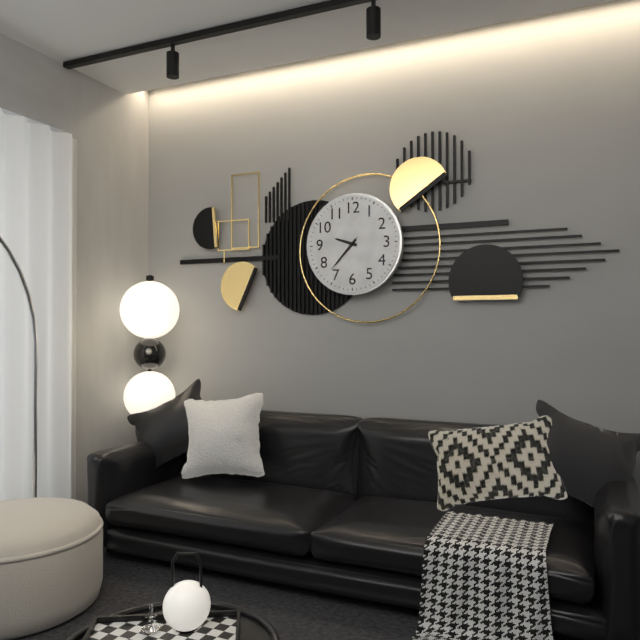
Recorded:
9,37
